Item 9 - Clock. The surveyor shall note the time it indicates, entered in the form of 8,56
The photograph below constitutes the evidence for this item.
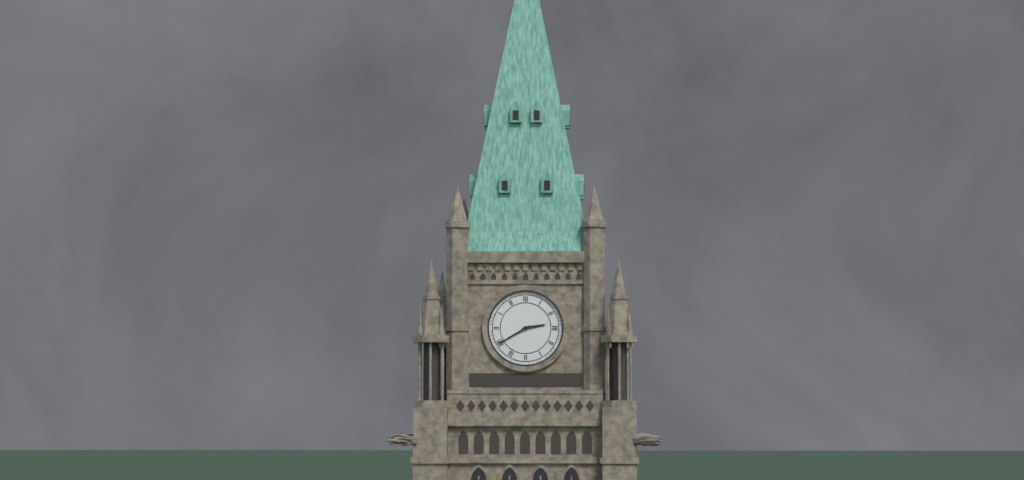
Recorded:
2,40
